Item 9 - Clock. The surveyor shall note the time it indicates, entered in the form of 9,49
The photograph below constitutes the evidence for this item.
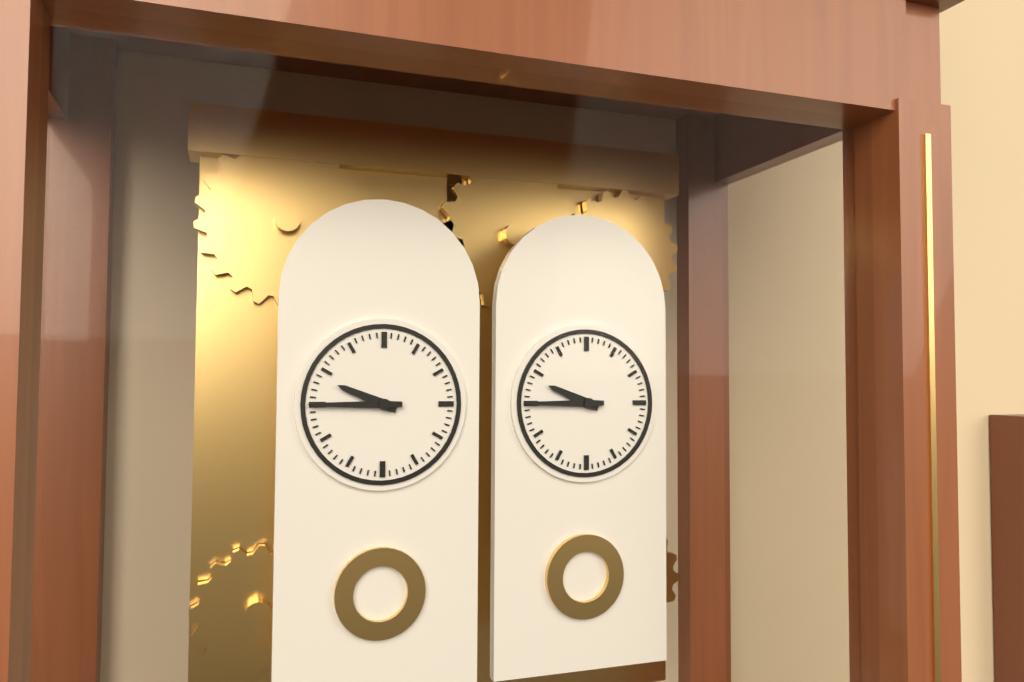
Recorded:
9,45
